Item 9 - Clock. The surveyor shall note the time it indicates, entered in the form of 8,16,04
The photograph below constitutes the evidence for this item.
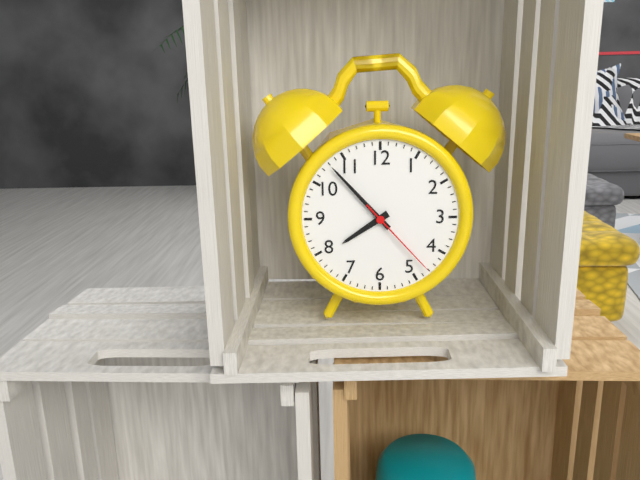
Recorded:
7,53,23
